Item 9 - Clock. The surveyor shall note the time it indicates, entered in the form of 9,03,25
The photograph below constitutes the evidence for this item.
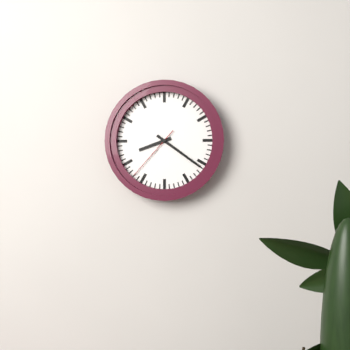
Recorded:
8,21,37
